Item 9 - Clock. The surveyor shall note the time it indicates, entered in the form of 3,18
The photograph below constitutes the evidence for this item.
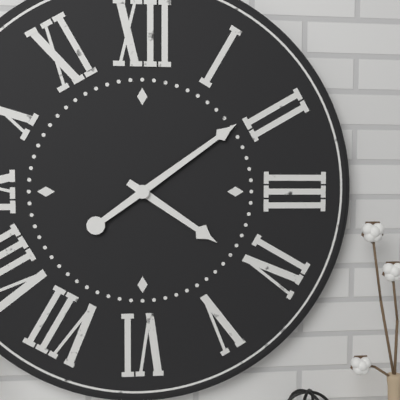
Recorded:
4,09
